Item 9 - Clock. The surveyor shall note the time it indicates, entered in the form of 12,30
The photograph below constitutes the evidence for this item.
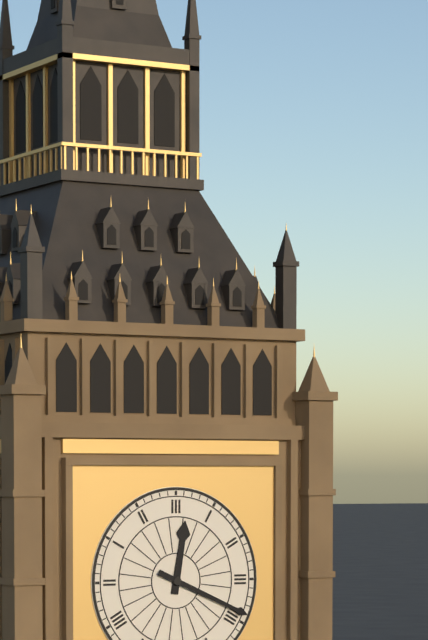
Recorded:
12,19
